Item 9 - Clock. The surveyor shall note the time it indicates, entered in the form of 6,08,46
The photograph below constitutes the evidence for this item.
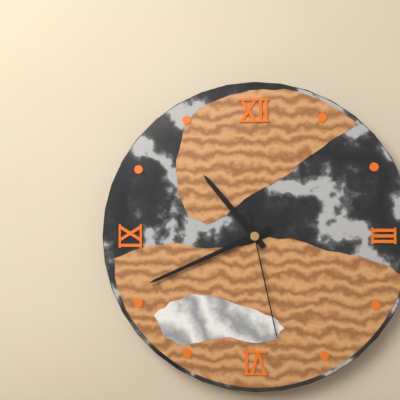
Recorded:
10,41,28
